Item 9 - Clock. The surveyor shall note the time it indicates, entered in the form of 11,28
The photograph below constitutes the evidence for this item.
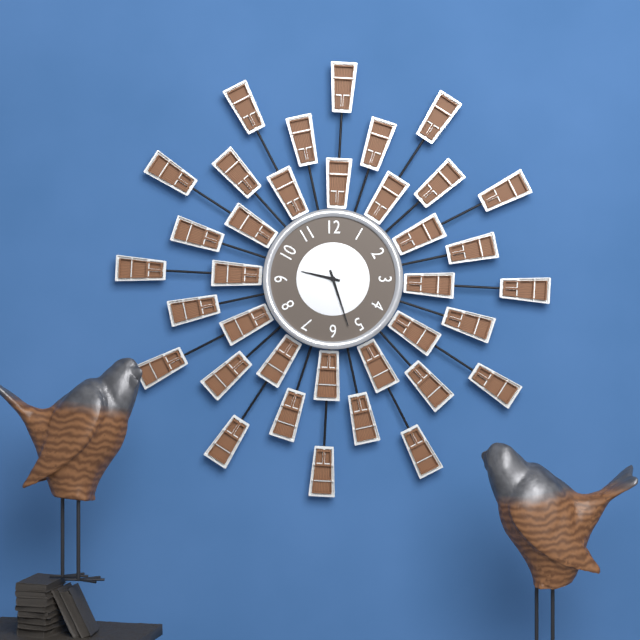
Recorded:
9,27
